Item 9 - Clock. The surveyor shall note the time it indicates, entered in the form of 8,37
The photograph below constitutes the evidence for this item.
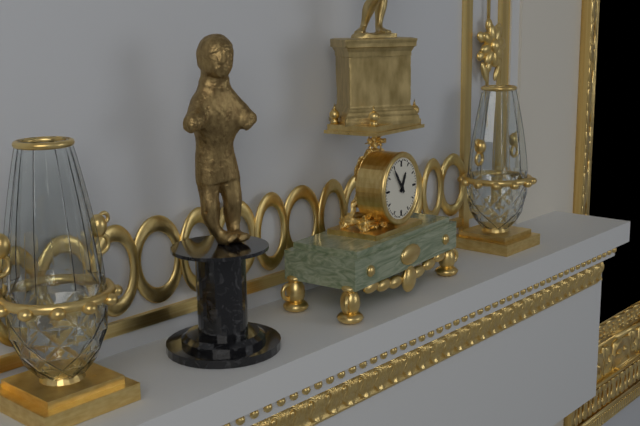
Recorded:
12,54
